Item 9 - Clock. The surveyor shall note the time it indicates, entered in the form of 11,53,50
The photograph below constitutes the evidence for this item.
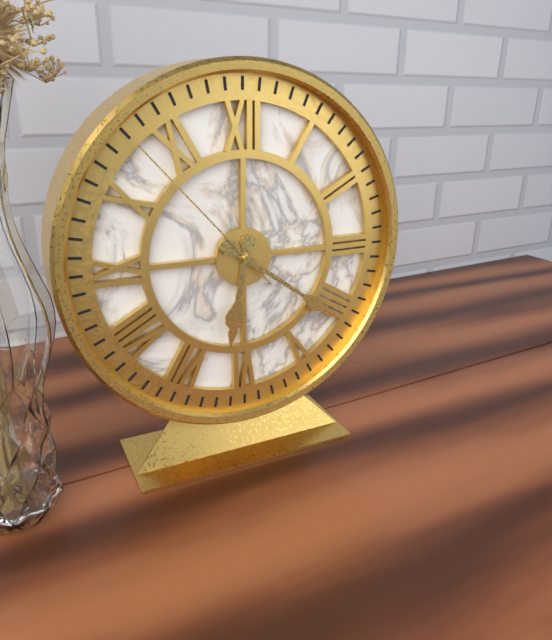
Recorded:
6,21,53
